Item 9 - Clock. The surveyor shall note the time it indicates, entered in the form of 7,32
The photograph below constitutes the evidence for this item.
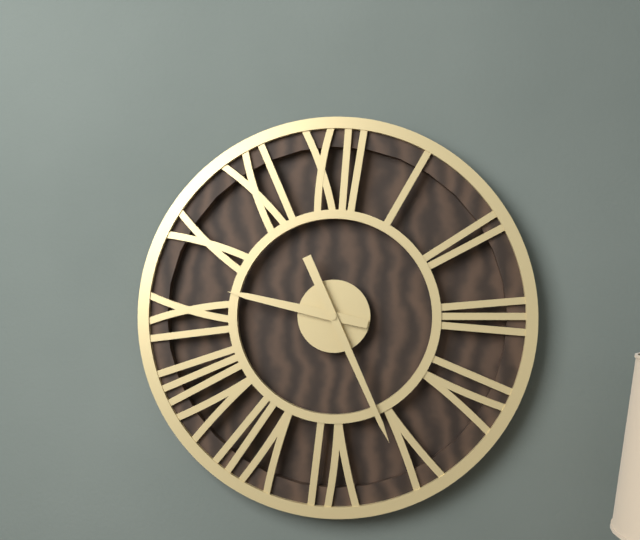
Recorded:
9,26
